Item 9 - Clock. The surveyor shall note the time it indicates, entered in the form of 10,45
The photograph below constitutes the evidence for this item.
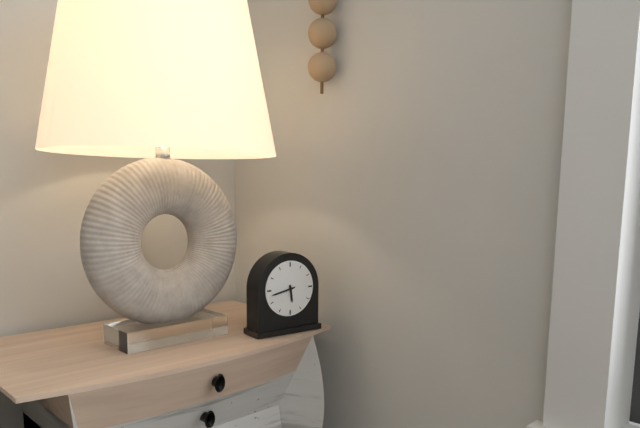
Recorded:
5,43
